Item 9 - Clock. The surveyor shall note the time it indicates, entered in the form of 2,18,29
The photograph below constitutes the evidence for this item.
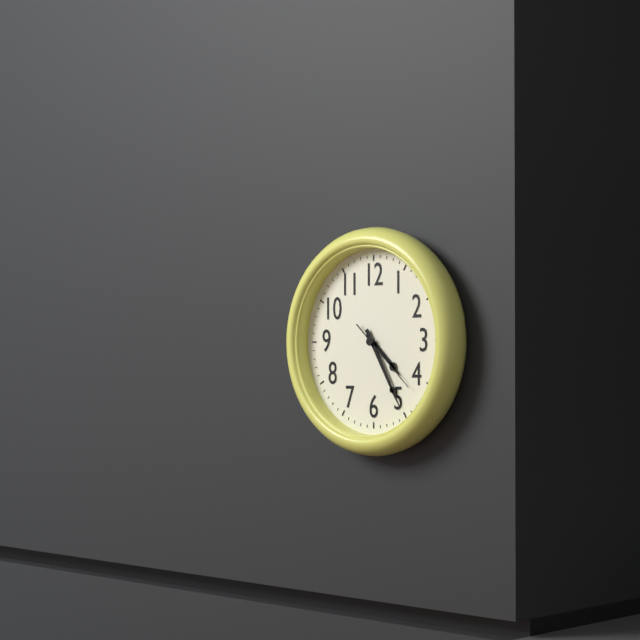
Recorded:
4,25,22
